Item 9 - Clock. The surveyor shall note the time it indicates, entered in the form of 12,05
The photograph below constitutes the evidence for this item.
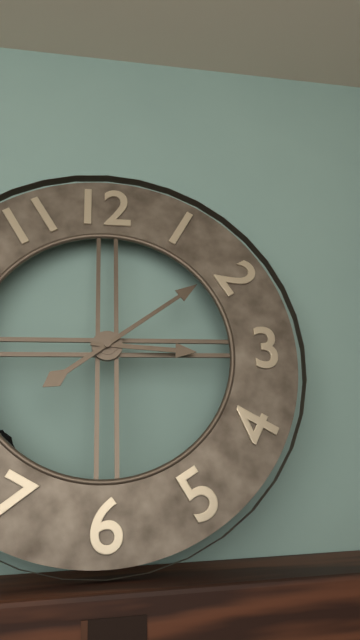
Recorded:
3,09
